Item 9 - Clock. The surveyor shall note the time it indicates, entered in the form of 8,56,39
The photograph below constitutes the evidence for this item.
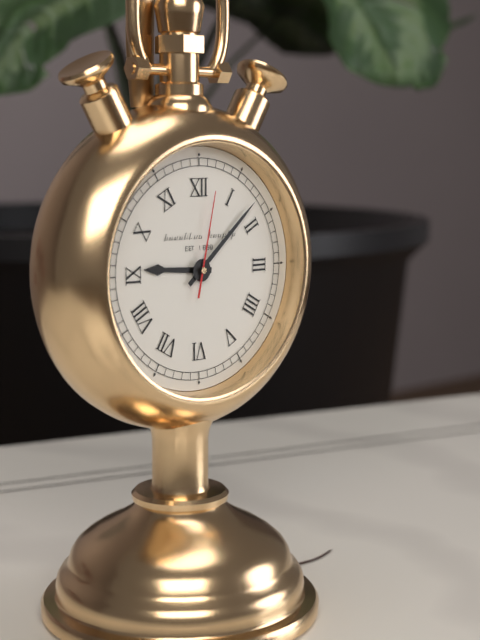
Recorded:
9,08,02
